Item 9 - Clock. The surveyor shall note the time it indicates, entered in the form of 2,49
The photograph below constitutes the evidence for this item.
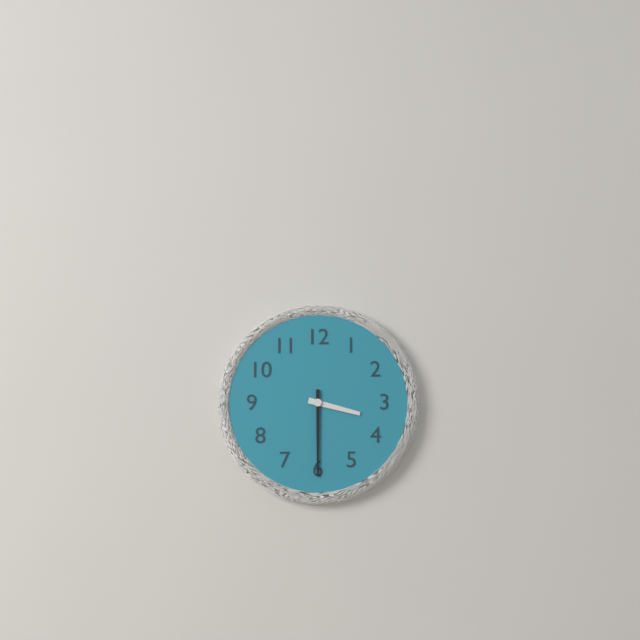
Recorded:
3,30
